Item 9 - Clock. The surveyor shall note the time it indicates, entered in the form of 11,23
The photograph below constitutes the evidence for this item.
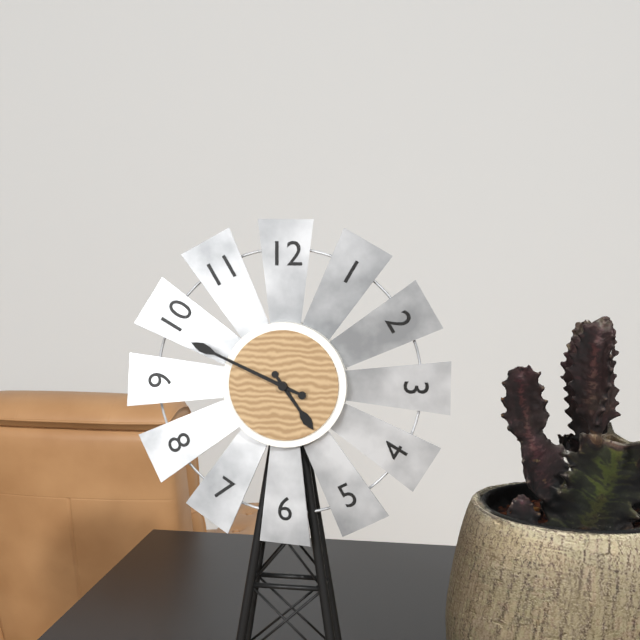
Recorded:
4,49
